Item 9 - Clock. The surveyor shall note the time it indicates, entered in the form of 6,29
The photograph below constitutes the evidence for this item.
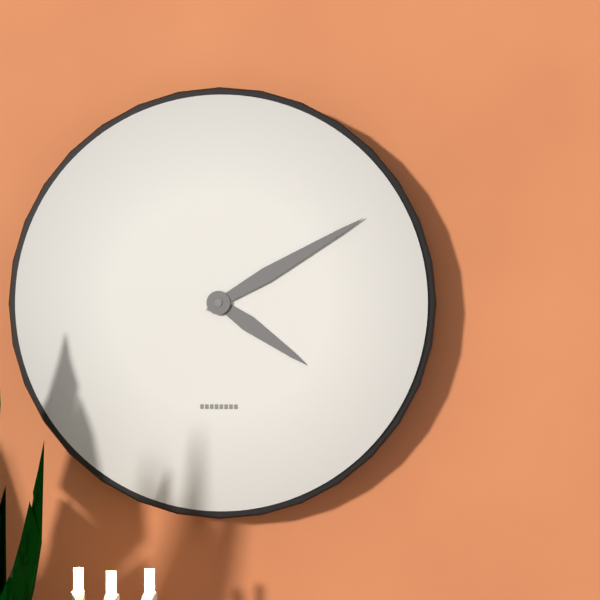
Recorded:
4,10
